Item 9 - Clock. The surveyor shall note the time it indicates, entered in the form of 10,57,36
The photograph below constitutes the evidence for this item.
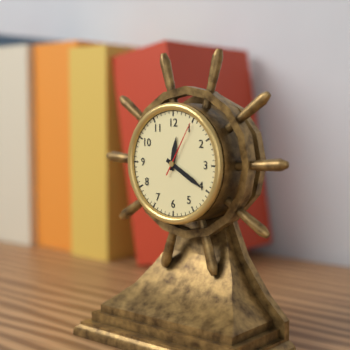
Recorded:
12,20,05
